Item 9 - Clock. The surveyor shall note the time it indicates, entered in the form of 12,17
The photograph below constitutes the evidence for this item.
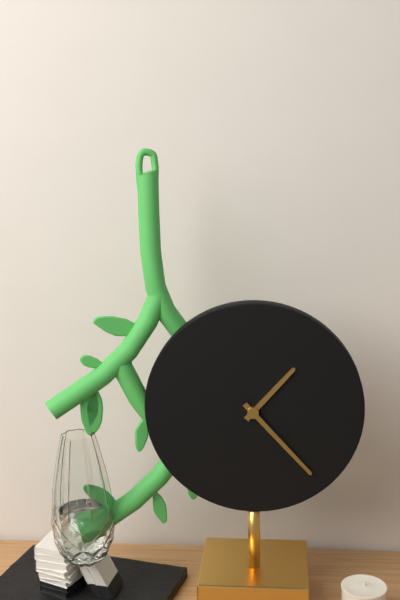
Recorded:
1,23
